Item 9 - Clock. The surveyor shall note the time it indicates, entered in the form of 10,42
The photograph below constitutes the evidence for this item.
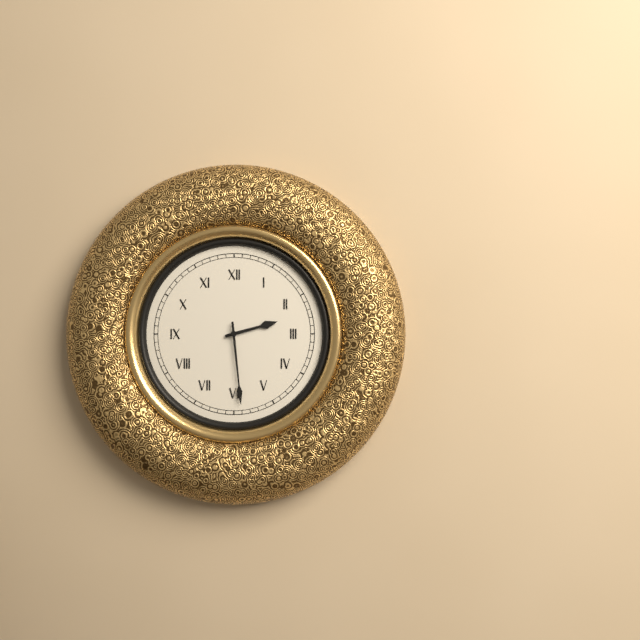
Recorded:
2,29
